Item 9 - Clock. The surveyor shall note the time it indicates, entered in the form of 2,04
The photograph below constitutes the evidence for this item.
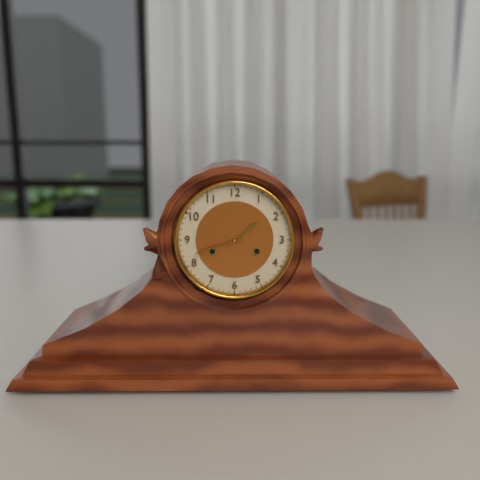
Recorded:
1,42
